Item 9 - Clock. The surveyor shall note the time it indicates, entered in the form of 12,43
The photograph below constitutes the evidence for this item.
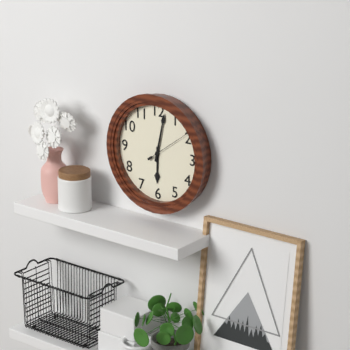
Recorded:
6,02
